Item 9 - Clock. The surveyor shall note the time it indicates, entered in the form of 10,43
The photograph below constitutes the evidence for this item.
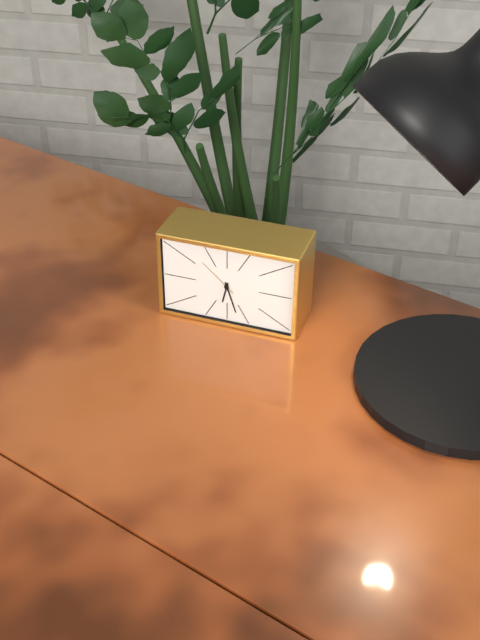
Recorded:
6,27
